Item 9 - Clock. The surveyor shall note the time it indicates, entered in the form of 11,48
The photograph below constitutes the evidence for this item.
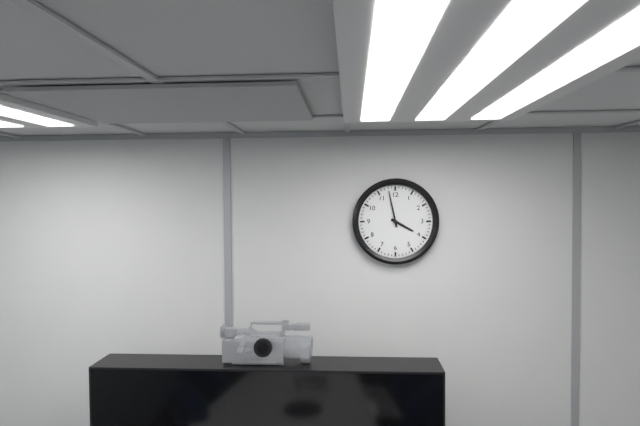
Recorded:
3,58
